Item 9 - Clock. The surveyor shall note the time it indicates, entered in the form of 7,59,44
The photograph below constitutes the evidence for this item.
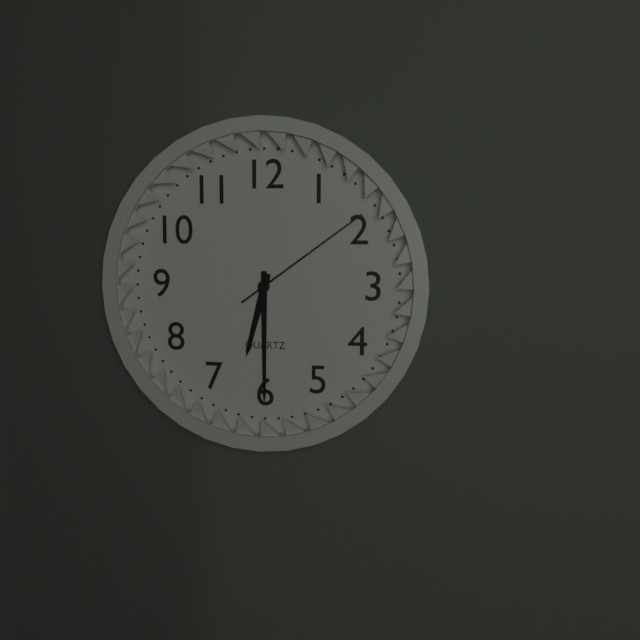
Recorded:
6,30,09
